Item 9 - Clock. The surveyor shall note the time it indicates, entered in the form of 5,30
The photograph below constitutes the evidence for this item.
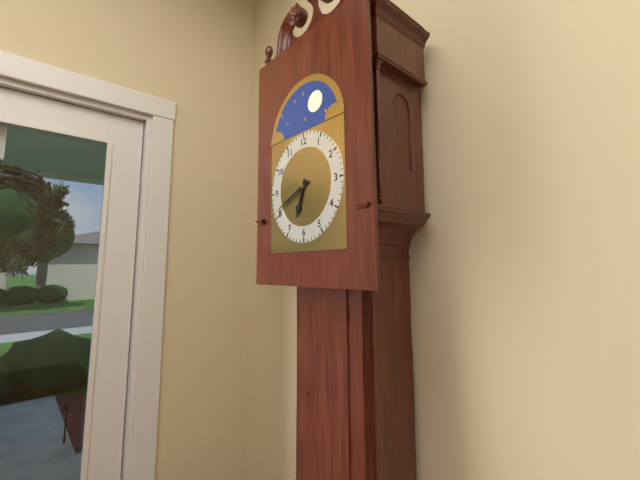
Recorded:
6,41
